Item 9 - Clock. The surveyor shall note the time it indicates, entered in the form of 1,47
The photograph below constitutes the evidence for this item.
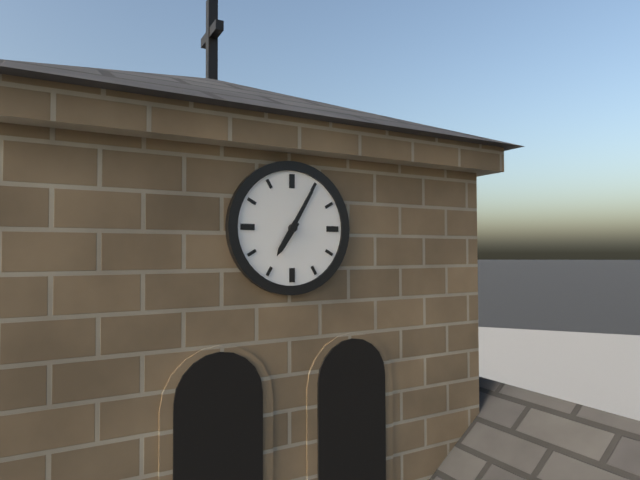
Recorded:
7,05
